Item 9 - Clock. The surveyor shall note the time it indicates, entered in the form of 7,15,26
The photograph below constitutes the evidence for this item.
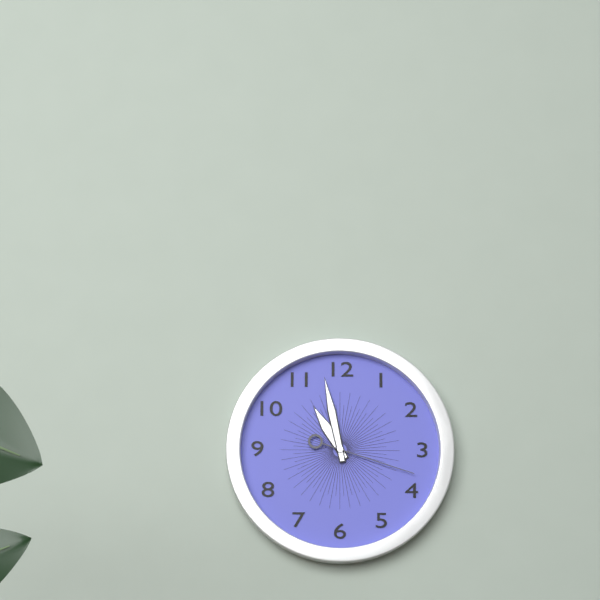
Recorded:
10,58,18
